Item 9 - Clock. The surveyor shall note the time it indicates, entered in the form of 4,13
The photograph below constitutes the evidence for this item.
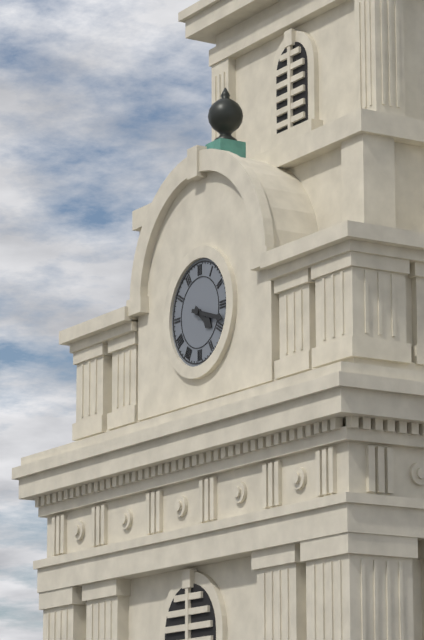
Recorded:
4,18
